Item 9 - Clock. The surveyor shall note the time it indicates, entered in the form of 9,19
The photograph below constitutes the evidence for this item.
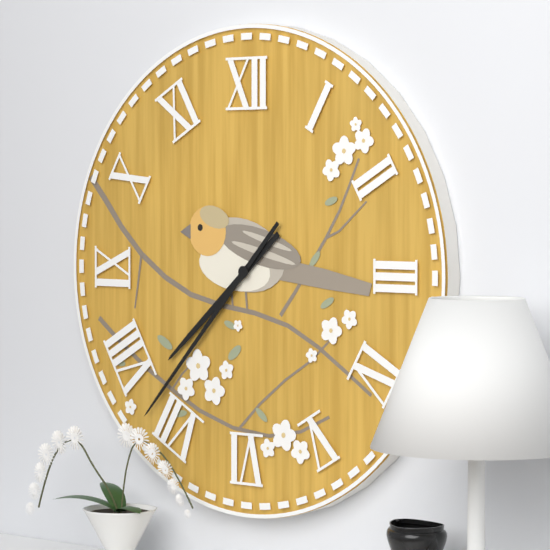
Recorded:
7,37
